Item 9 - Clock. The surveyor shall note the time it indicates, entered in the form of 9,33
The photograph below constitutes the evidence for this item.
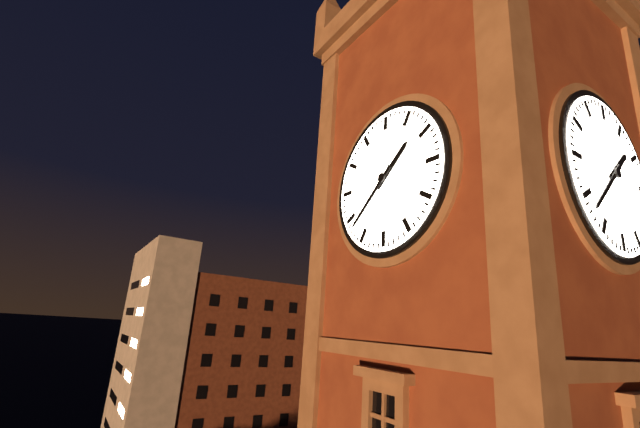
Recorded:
1,38
